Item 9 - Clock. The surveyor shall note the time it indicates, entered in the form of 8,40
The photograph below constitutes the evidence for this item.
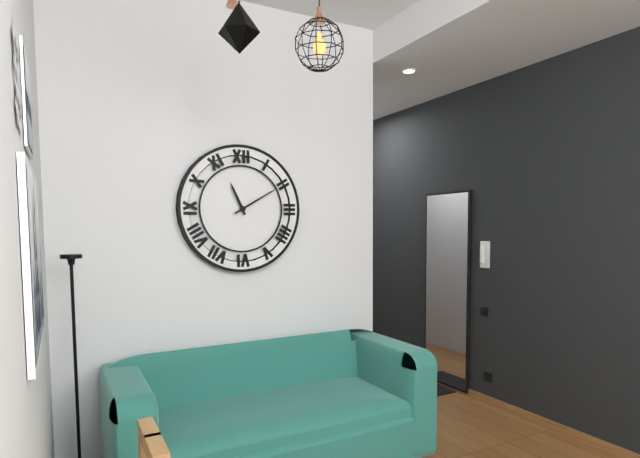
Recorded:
11,10
